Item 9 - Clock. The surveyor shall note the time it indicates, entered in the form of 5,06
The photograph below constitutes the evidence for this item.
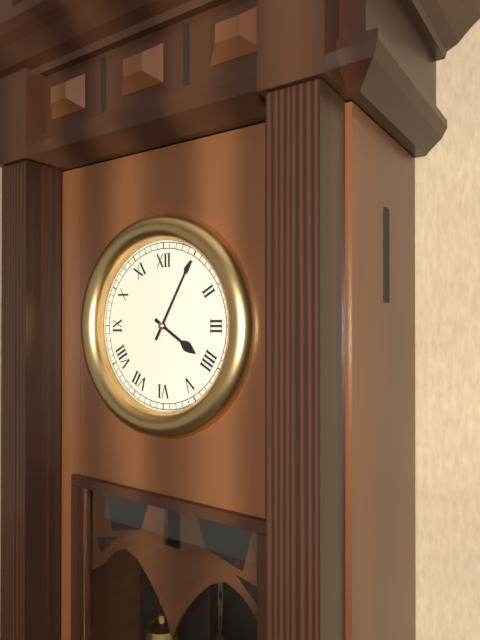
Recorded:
4,05
